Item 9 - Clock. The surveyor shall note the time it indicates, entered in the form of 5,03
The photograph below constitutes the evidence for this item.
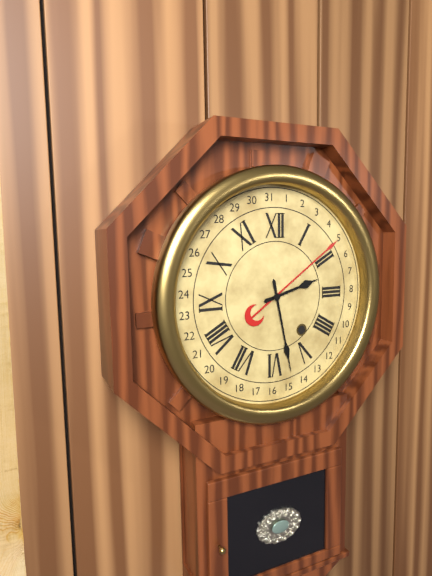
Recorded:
2,28
